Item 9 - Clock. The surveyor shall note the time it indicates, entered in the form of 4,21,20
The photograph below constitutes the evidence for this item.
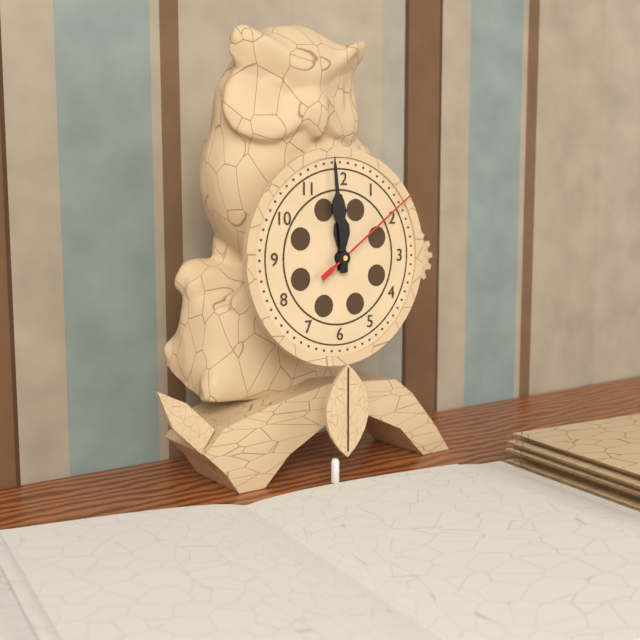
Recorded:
11,59,09
